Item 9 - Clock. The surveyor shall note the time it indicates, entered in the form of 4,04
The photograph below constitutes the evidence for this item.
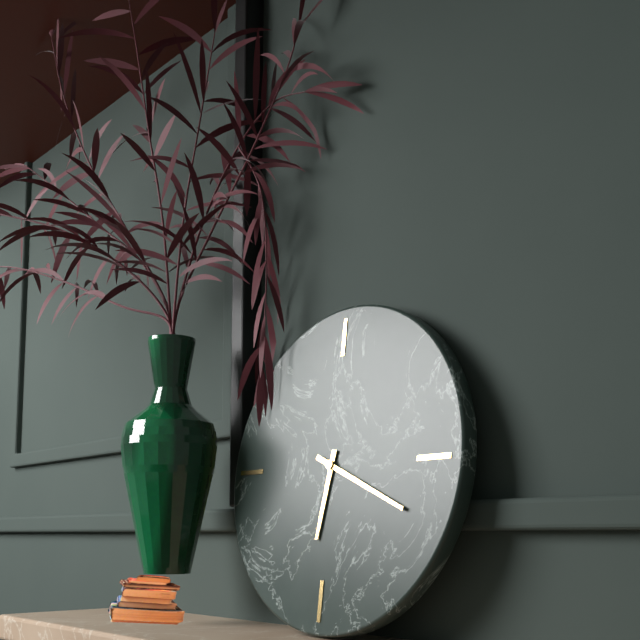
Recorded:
6,19
